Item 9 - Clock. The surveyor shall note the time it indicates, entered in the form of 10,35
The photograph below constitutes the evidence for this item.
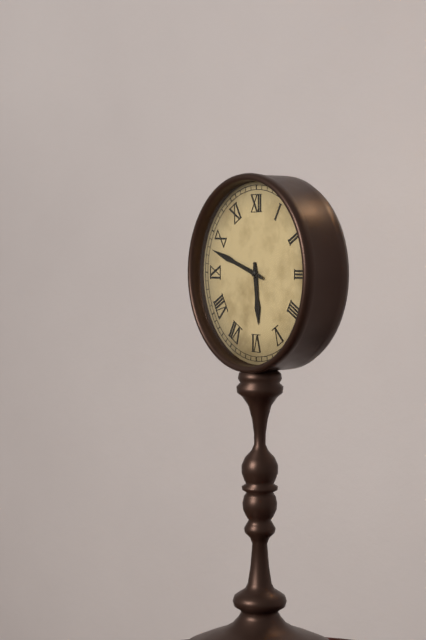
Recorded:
5,48
